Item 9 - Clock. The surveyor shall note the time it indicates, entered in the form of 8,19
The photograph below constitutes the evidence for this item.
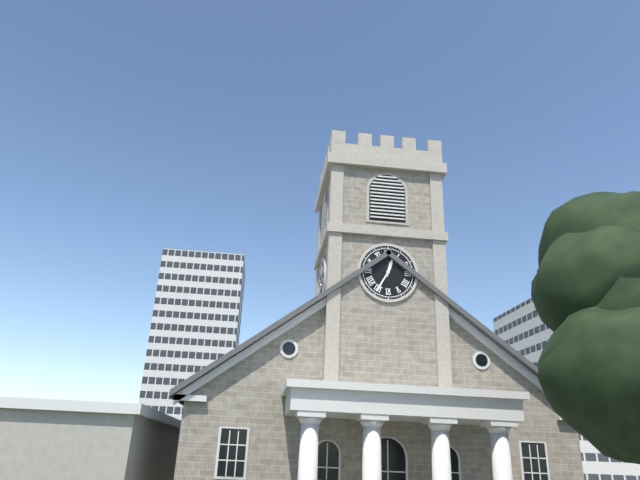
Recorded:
12,35
